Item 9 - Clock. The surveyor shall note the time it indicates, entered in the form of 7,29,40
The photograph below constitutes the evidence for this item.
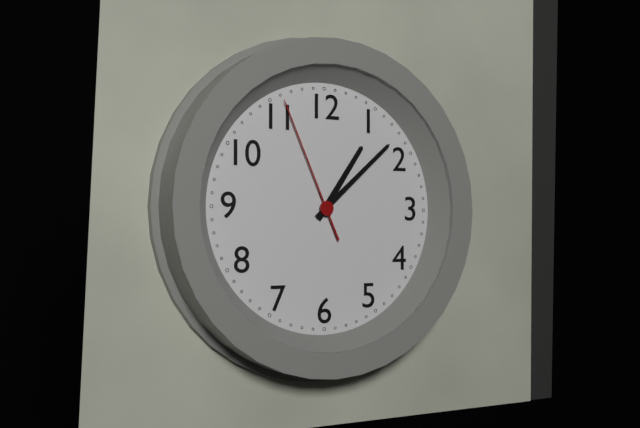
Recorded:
1,08,56
